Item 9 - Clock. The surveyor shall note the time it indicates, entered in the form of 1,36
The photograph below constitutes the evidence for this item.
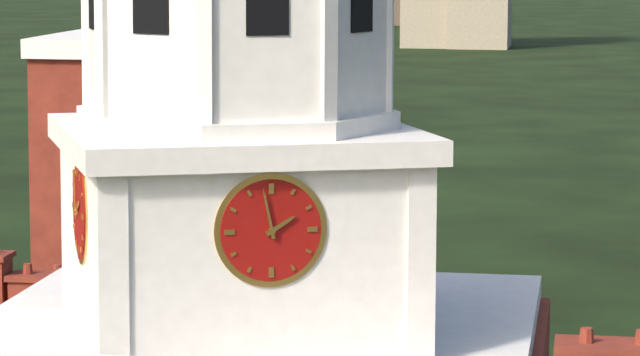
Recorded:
1,58
